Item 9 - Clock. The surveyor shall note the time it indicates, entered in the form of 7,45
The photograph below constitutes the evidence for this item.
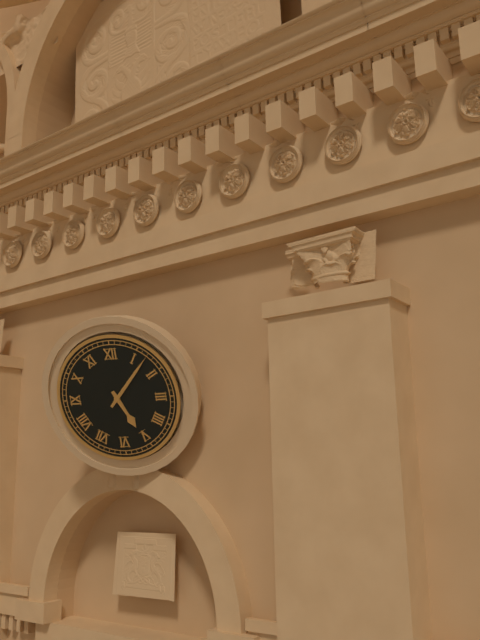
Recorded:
5,07
